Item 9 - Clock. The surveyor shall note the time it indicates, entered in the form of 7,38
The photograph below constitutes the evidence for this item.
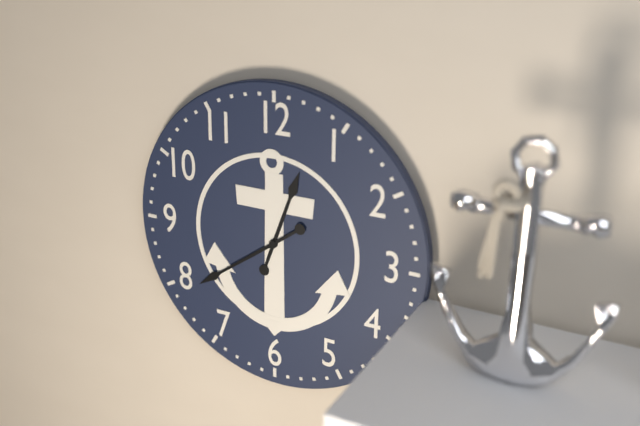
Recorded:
12,39
